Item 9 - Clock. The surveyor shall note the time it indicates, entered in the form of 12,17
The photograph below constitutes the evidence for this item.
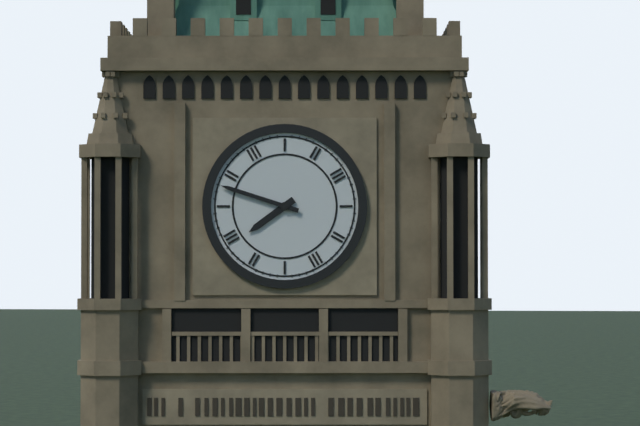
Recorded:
7,48
